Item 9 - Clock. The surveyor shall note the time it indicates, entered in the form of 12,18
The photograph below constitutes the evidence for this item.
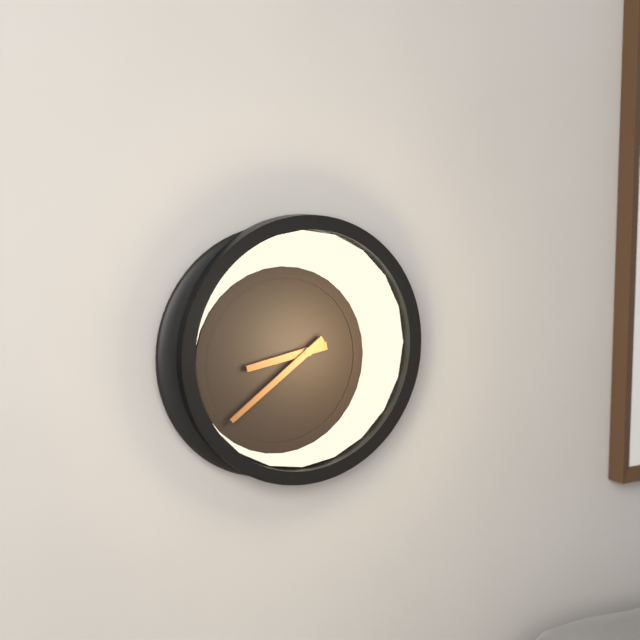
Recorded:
8,39
